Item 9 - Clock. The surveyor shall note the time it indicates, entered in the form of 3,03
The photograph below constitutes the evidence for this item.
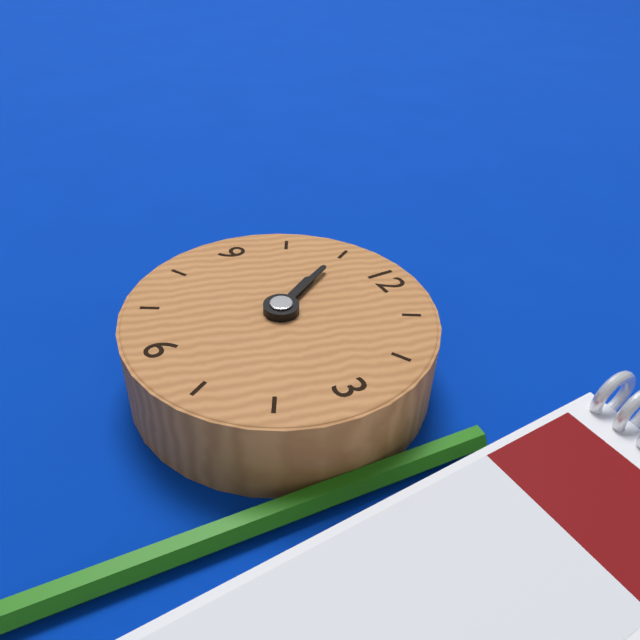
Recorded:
10,55
